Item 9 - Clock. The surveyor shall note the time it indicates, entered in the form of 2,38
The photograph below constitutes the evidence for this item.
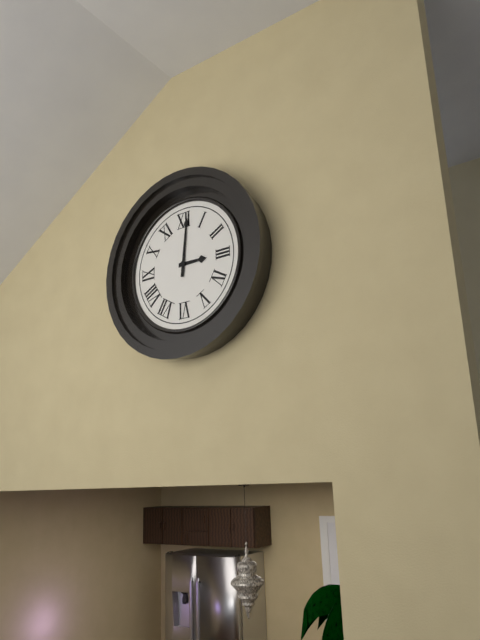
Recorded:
3,01
